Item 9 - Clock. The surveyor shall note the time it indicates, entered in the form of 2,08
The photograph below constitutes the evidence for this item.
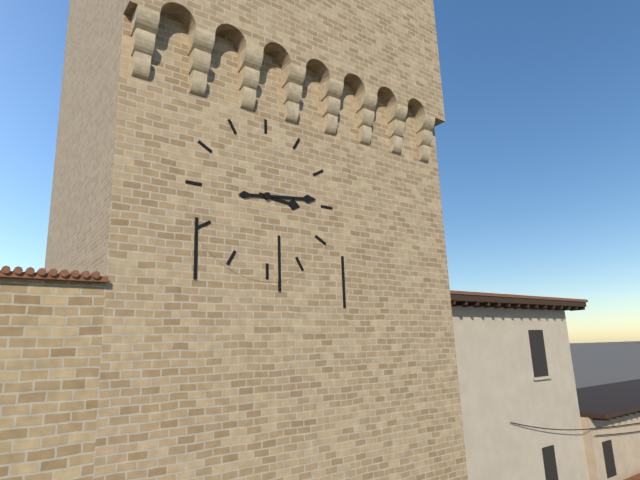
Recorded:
3,14
